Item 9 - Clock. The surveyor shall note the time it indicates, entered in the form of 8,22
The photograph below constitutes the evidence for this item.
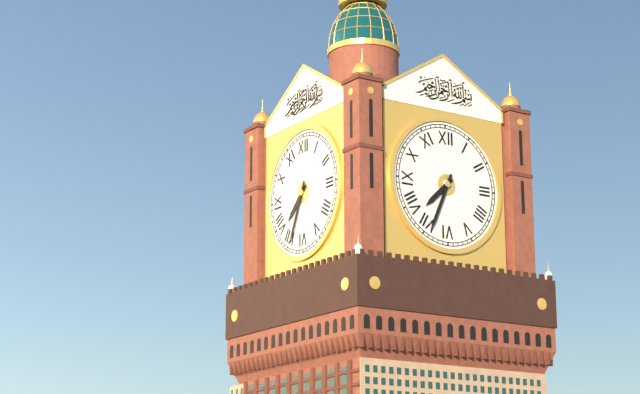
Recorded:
7,34
